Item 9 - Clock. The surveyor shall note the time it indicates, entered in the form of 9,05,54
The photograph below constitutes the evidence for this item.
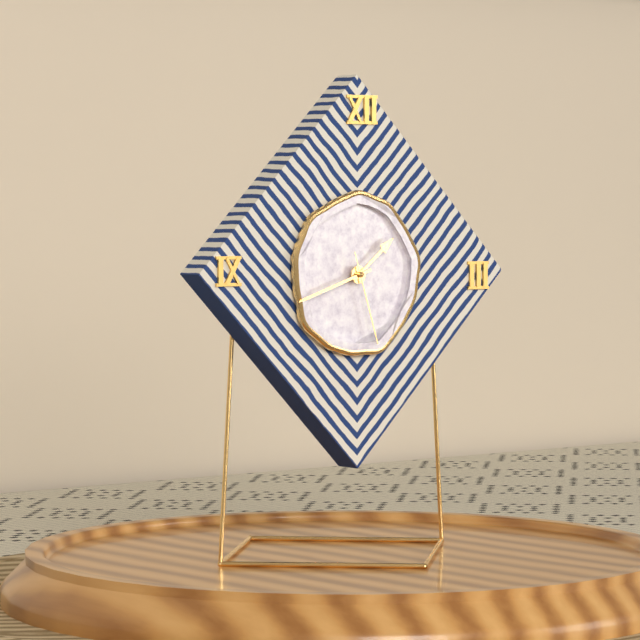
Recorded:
1,42,27
